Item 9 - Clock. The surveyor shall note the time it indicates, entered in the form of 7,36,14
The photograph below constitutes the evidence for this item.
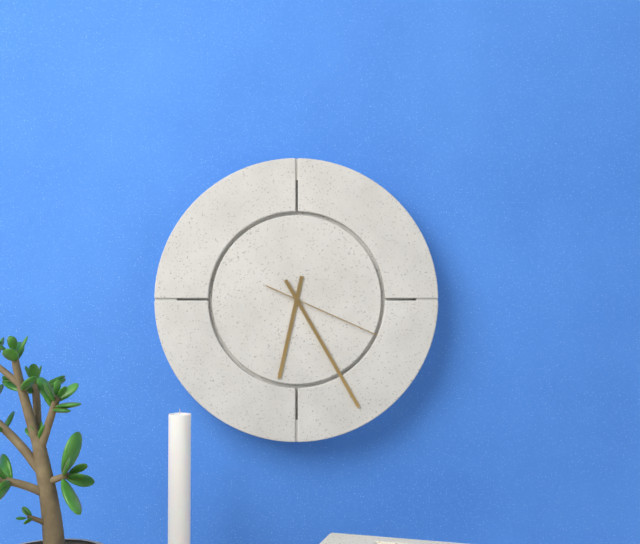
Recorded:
6,25,19
